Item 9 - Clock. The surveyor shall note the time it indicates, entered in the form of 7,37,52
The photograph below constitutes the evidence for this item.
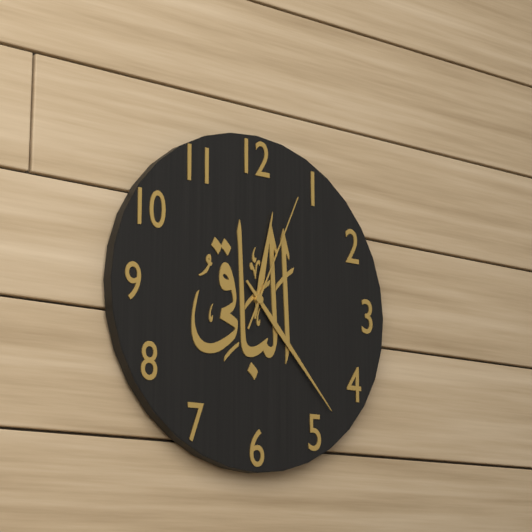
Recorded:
12,23,04
